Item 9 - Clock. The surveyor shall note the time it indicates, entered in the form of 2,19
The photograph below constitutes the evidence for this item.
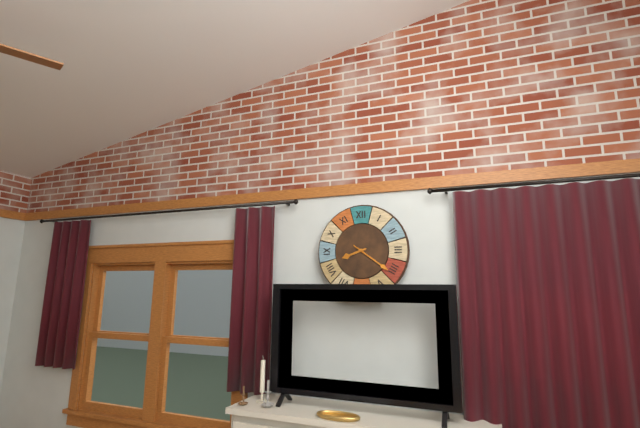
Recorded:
8,21
